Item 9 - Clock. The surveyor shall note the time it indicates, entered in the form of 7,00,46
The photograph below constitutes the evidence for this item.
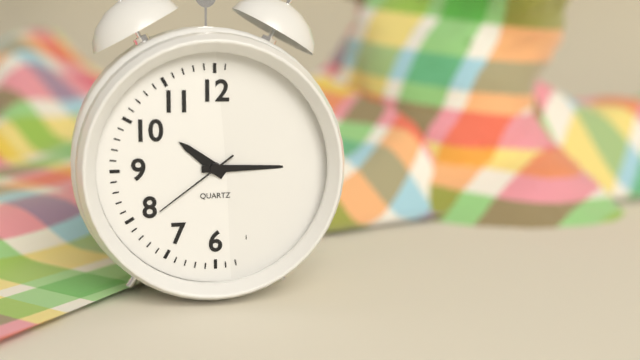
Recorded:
10,15,39
